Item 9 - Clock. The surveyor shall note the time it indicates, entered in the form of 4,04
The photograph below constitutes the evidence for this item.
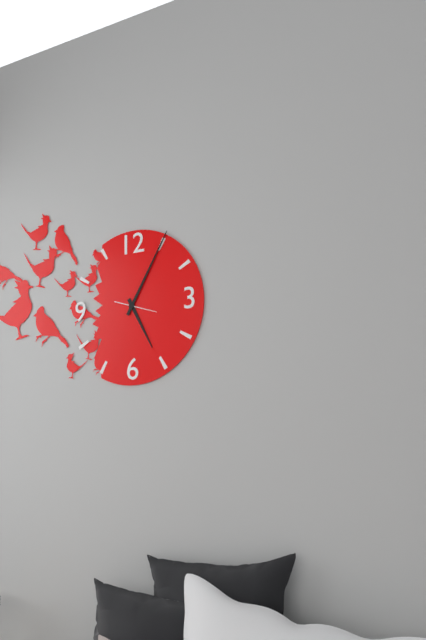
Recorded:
5,05
